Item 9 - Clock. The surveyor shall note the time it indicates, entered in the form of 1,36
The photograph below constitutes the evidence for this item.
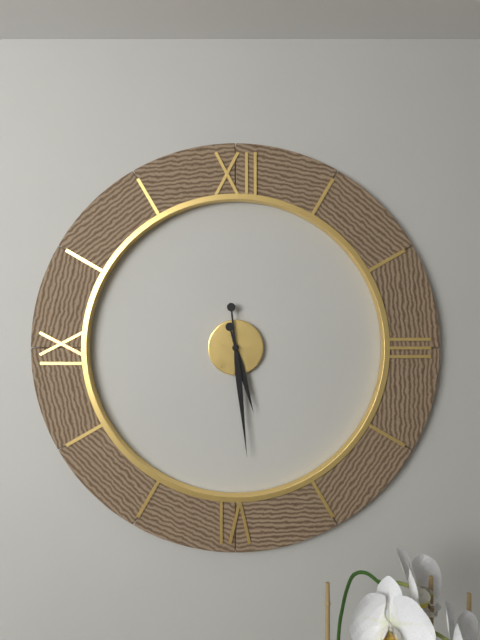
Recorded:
5,29
